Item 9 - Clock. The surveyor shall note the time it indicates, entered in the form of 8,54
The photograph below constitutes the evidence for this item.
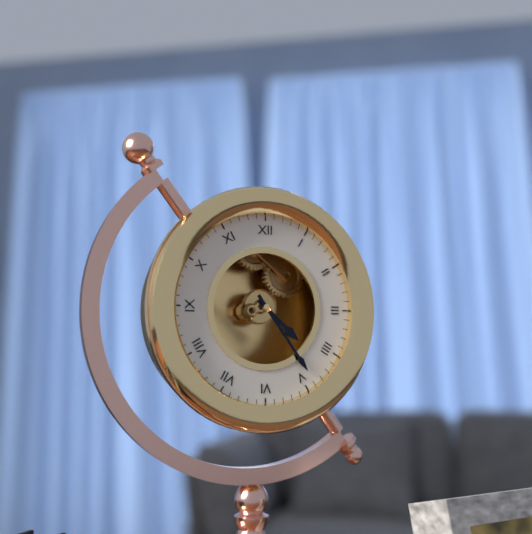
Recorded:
4,24
